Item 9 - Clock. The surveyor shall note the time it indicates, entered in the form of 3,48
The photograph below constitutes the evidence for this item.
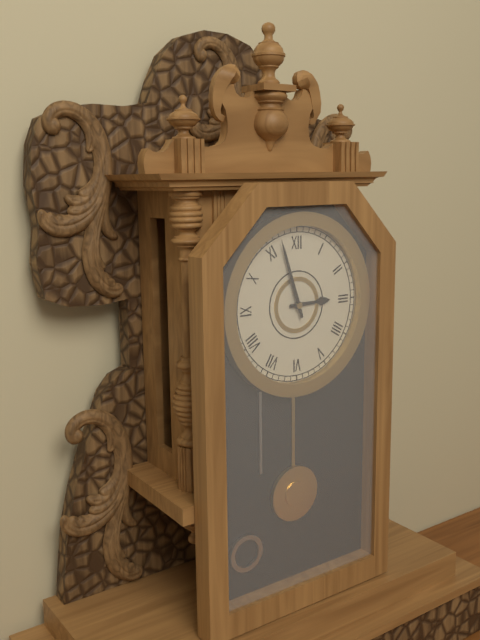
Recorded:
2,57
